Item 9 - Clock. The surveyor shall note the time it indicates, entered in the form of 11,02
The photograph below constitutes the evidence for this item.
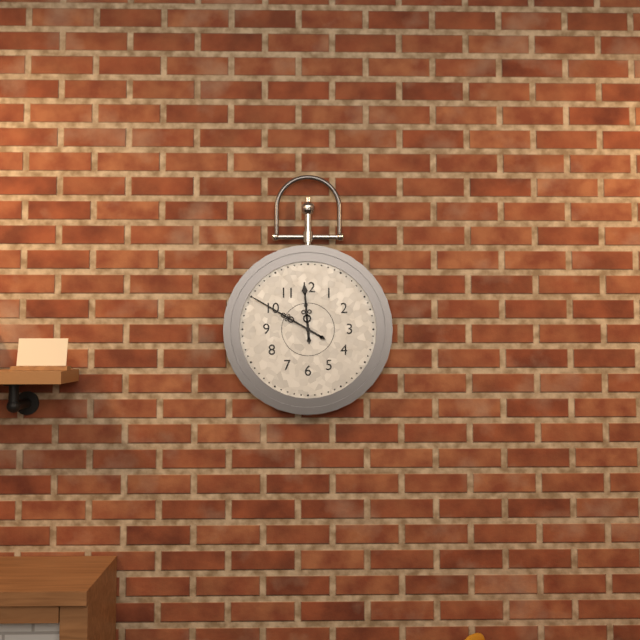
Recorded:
11,50
